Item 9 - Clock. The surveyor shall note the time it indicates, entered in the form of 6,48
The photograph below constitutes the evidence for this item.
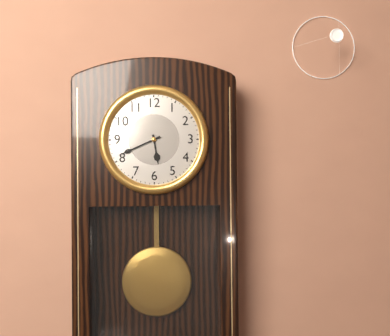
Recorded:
5,41
